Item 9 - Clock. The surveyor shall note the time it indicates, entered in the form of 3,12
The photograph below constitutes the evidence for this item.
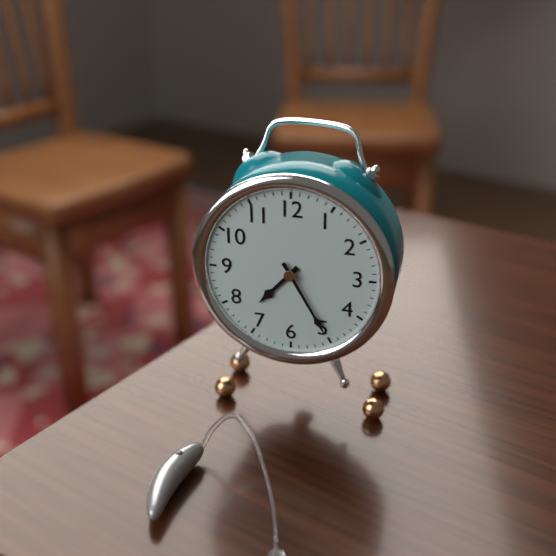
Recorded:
7,25
